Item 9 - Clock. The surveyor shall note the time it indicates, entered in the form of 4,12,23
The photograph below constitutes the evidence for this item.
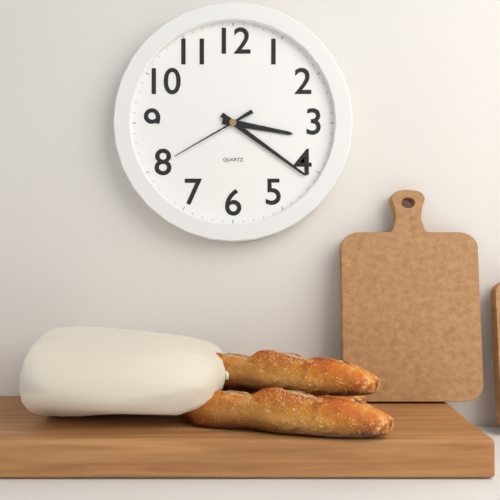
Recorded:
3,21,40
